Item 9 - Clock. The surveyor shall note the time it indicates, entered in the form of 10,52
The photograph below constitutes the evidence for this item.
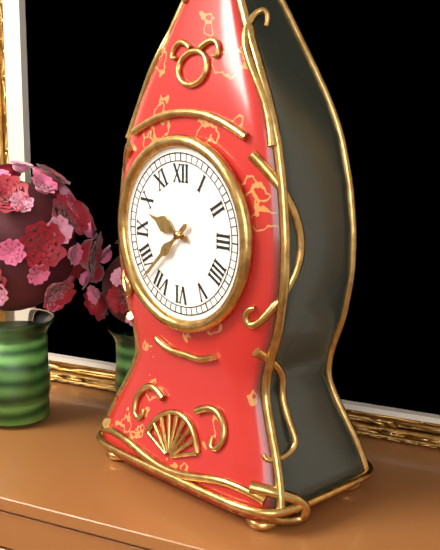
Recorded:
9,38
